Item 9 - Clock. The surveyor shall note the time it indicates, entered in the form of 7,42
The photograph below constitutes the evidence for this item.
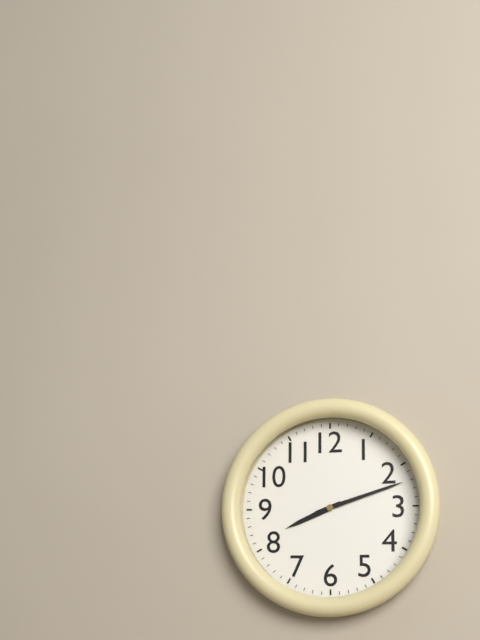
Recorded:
8,12
